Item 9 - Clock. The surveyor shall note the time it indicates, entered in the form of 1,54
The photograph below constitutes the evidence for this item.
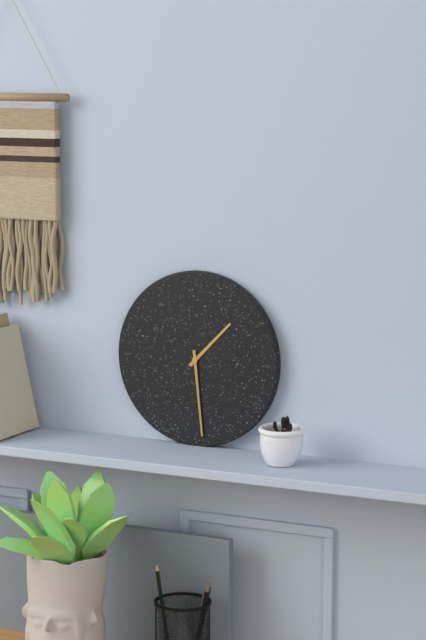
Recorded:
1,29
